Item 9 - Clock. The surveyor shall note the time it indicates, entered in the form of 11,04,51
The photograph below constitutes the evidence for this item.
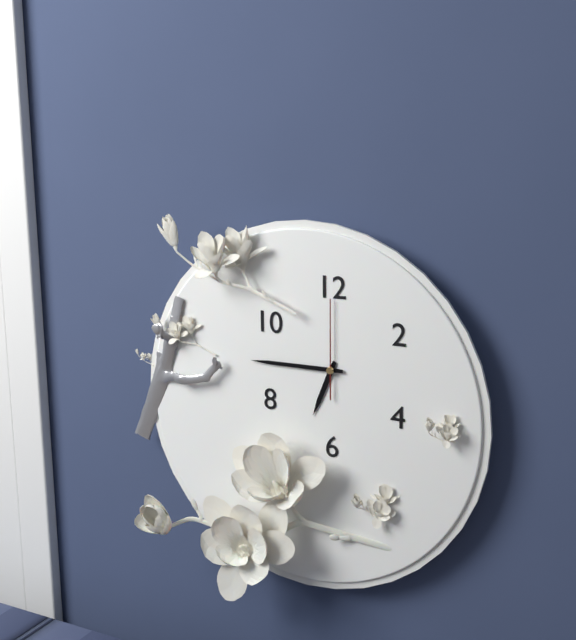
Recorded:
6,45,00
